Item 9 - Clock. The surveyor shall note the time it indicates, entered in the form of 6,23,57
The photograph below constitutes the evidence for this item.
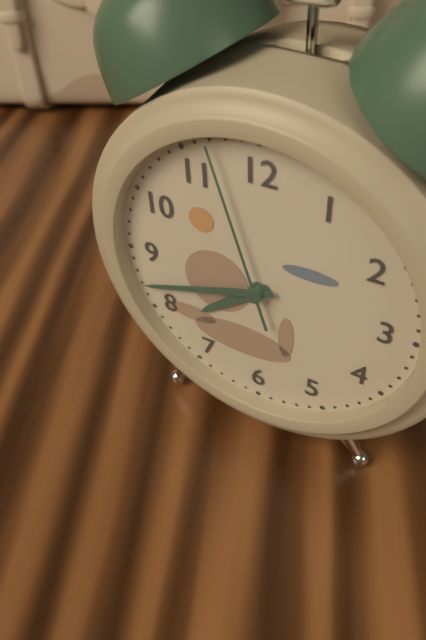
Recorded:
7,42,57
